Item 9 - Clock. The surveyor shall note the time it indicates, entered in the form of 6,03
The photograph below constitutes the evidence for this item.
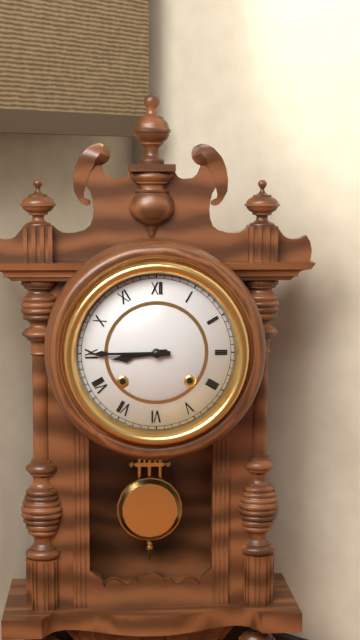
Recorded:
8,45
